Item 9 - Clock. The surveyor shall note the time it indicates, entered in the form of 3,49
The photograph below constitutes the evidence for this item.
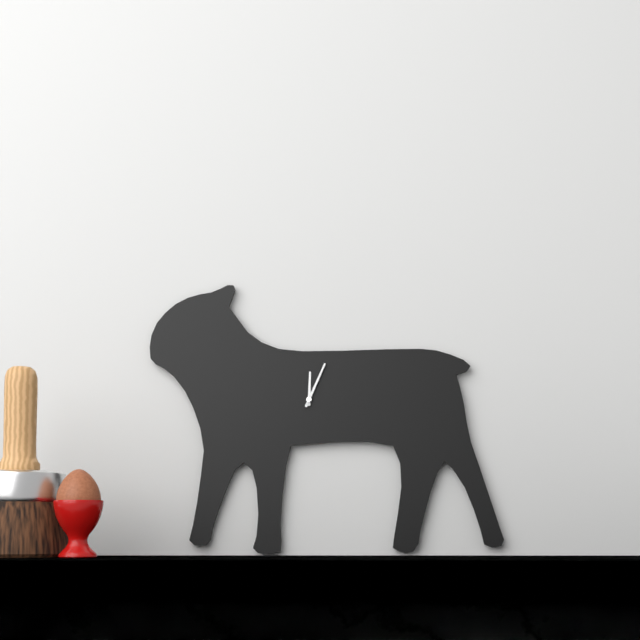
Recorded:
12,04
